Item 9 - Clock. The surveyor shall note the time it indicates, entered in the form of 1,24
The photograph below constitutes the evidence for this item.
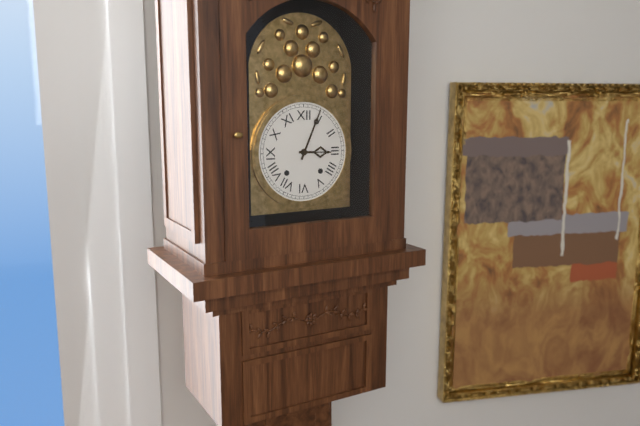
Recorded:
3,04
